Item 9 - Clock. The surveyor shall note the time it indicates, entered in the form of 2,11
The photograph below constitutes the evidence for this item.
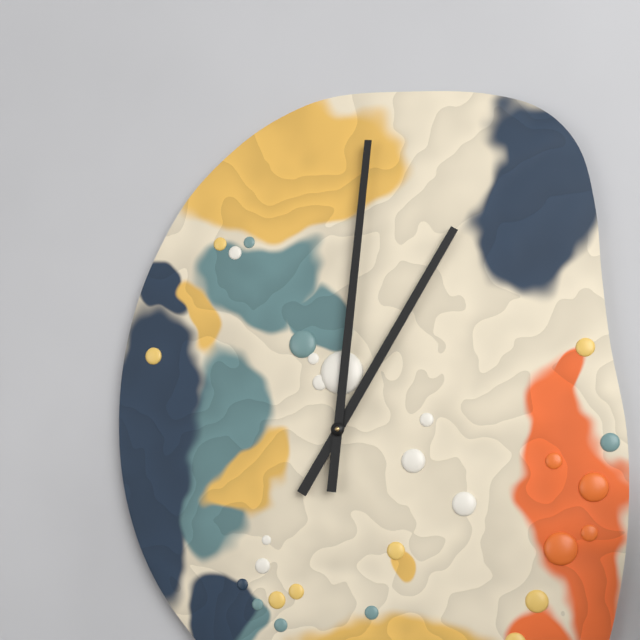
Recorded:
1,01
